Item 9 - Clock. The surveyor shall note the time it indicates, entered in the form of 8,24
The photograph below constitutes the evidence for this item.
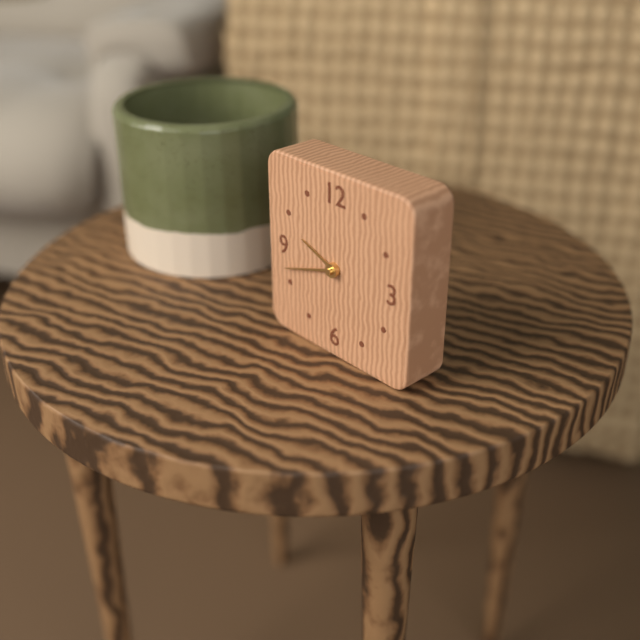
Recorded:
9,42
